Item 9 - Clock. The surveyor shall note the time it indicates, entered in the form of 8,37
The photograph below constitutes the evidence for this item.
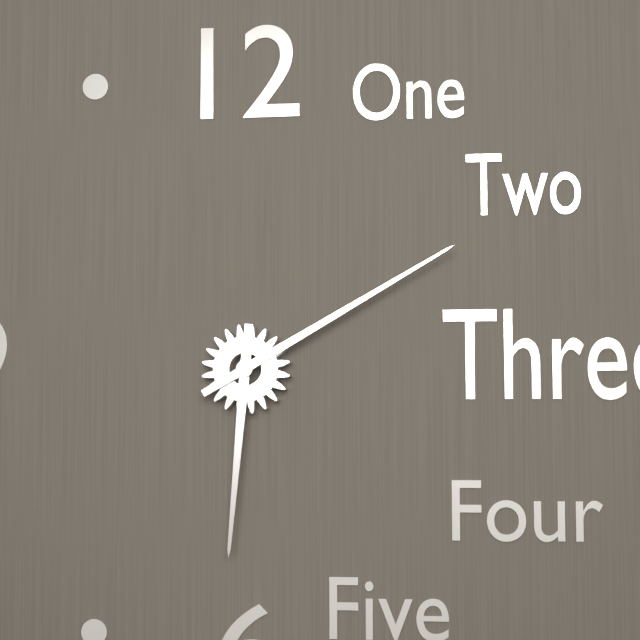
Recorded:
6,10
